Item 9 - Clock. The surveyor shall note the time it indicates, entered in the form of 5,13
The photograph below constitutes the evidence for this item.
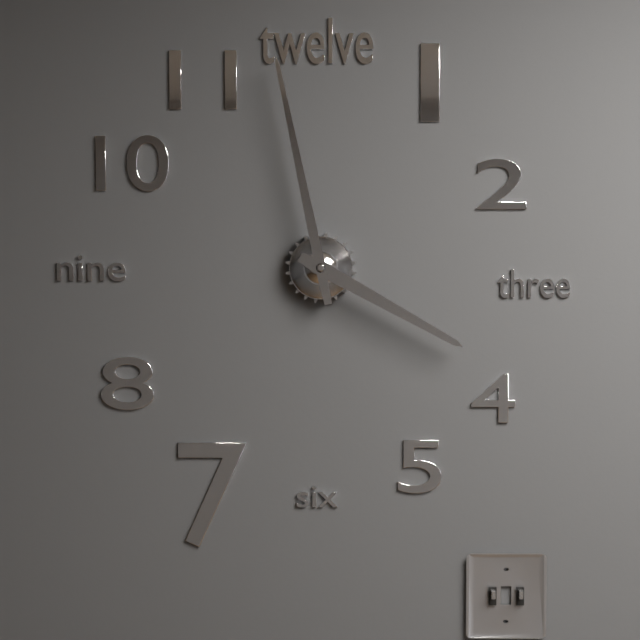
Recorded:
3,58
